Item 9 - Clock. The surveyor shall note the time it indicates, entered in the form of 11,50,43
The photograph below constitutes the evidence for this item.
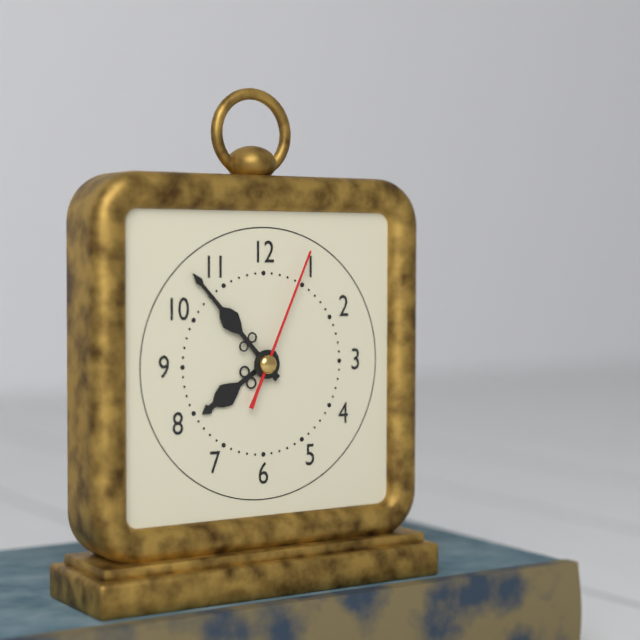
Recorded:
7,53,04
